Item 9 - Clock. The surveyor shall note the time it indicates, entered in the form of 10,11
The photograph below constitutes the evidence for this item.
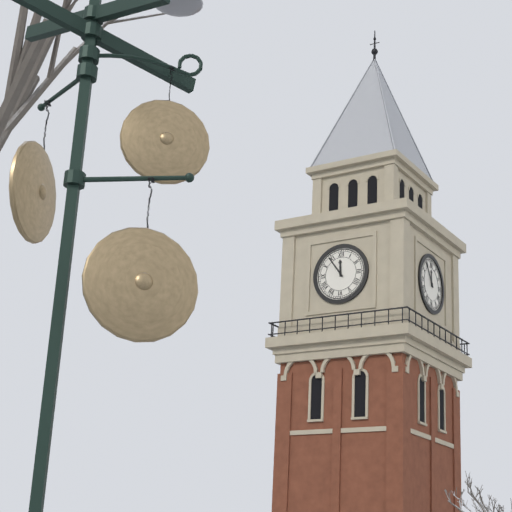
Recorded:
11,54
